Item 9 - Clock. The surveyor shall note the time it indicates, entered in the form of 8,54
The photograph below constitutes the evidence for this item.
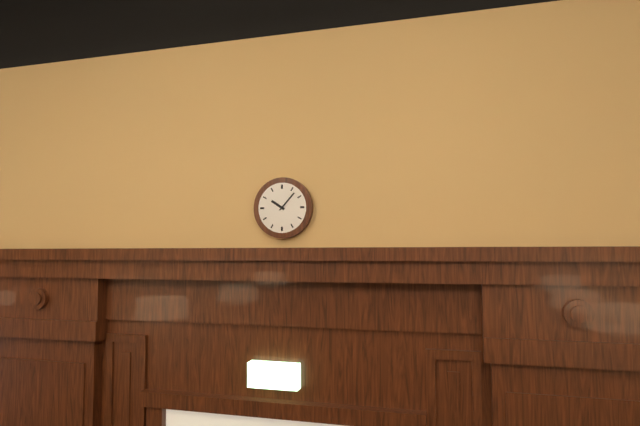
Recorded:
10,07
